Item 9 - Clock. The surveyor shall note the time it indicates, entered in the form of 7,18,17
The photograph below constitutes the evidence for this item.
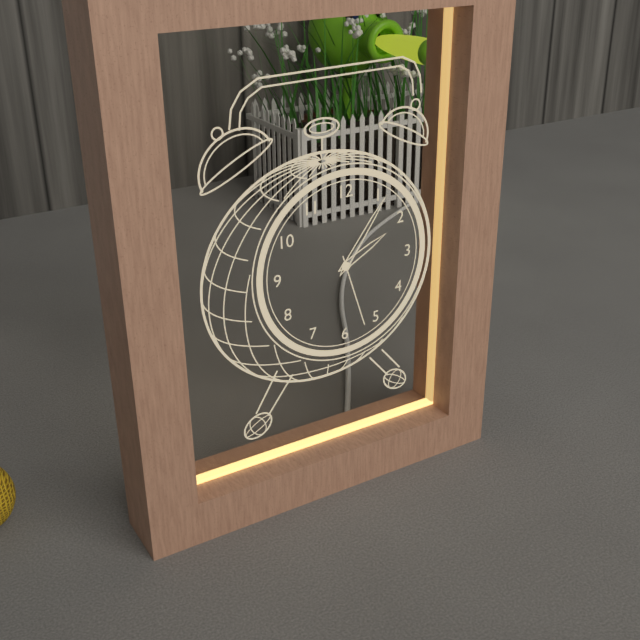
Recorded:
2,06,27
